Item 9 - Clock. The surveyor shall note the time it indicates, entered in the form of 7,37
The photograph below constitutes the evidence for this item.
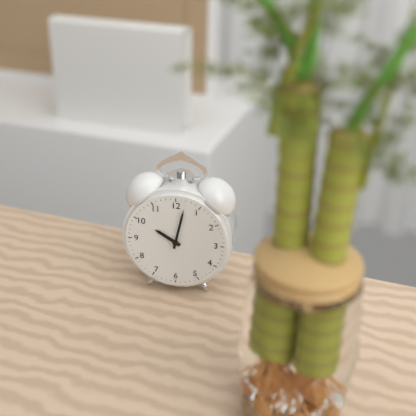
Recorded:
10,02
